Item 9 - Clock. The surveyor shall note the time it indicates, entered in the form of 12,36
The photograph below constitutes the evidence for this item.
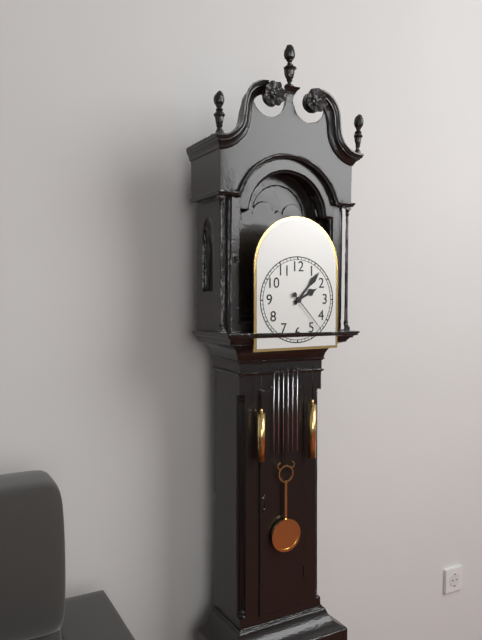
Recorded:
2,07
